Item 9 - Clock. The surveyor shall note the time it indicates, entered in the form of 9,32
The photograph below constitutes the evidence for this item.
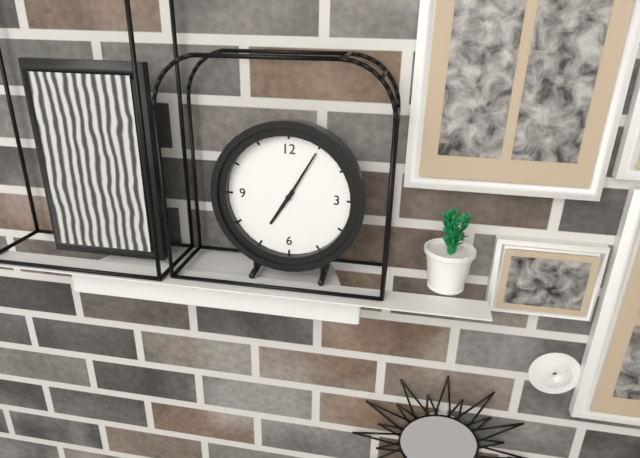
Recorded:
7,05
